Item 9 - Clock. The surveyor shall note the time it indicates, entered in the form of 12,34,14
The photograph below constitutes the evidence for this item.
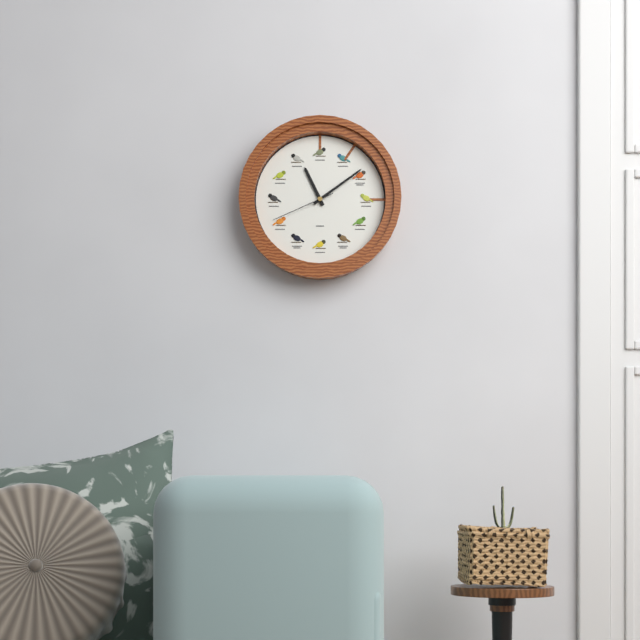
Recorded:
11,09,41
